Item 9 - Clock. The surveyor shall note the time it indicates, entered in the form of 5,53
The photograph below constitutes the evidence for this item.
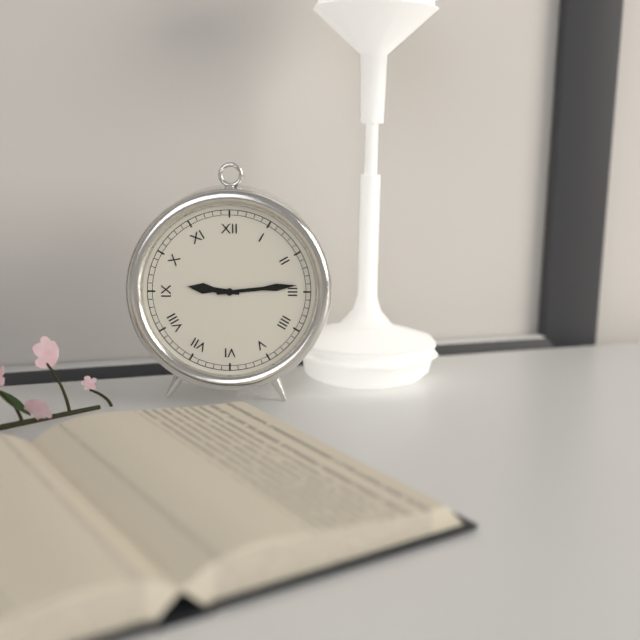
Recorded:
9,14
